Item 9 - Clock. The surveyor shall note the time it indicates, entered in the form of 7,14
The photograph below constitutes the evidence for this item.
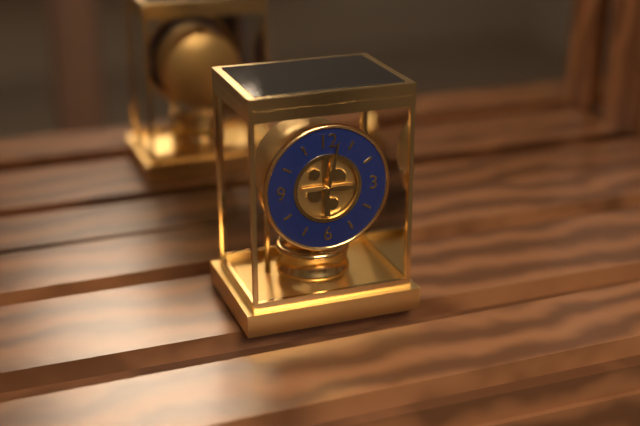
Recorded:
3,02
